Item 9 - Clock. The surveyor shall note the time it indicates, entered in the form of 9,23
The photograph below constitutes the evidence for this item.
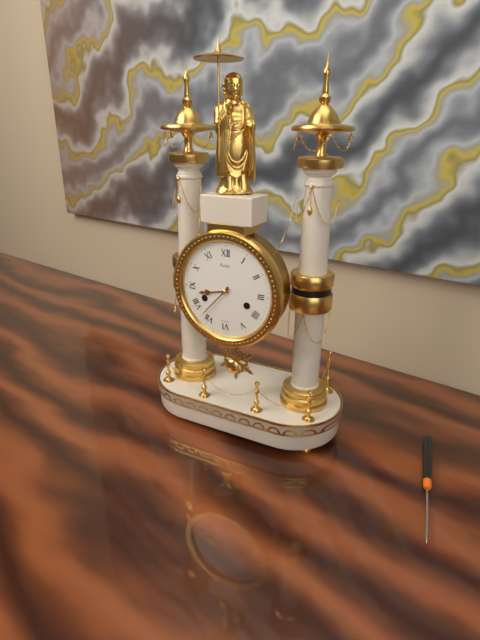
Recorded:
8,37
